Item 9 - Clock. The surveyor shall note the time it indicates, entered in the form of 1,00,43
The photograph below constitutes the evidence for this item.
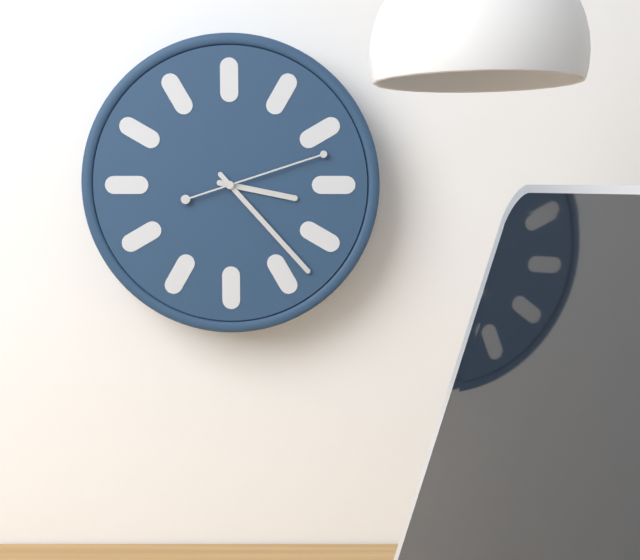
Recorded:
3,23,12
